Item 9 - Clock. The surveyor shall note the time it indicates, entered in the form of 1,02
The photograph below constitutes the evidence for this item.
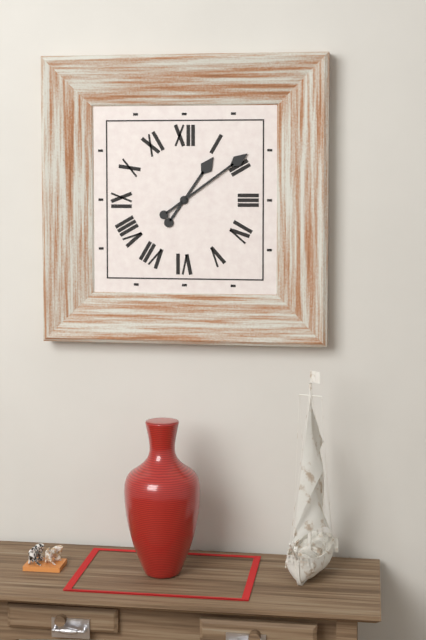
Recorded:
1,09
